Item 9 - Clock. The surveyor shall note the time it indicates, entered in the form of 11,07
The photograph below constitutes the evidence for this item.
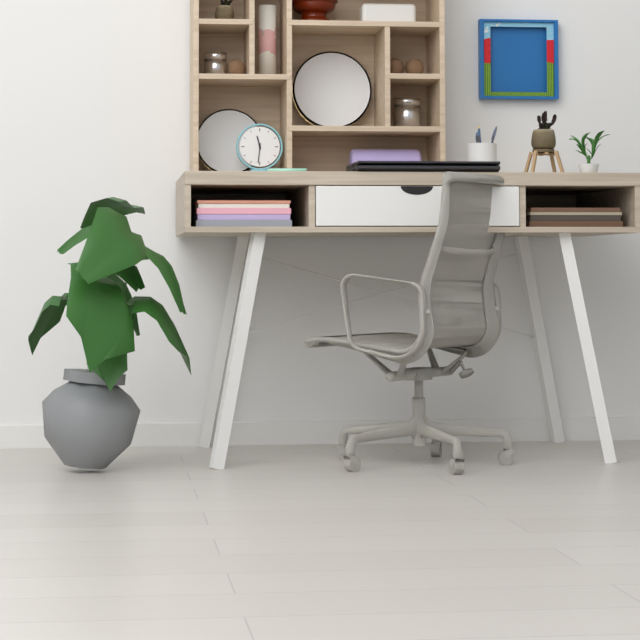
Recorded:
11,31
